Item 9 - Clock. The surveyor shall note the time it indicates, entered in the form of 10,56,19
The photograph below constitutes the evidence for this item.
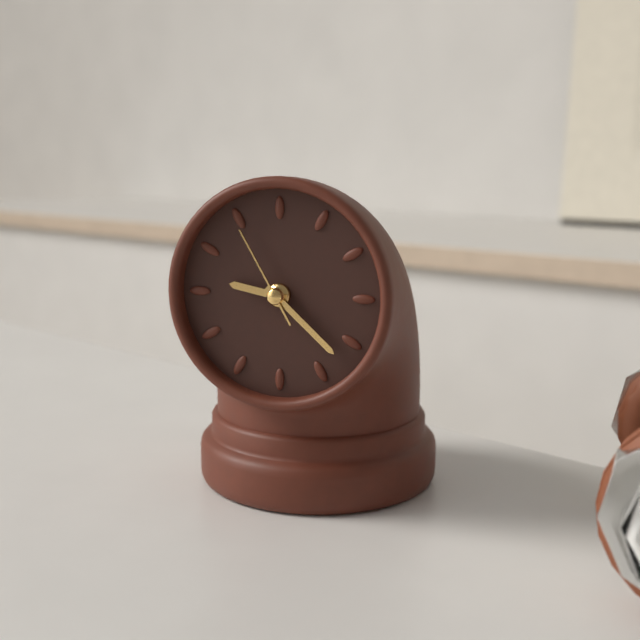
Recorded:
9,22,55
